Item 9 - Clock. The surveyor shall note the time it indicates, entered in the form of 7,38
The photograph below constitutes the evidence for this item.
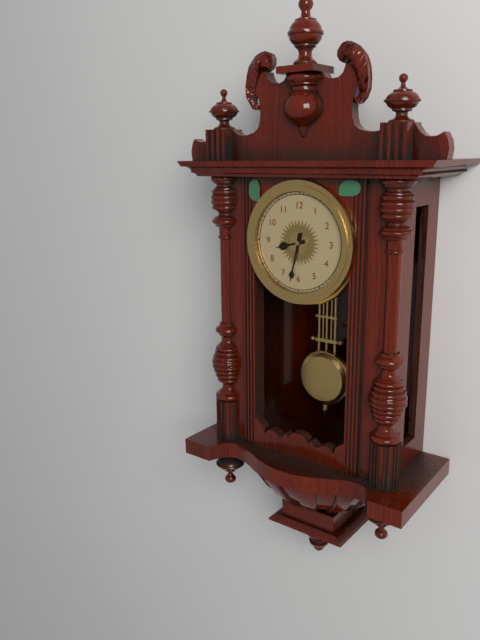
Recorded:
8,32
